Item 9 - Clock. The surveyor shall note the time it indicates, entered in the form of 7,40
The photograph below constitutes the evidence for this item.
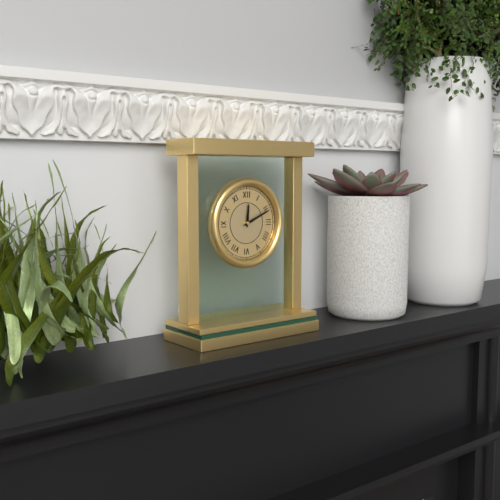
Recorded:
12,11
